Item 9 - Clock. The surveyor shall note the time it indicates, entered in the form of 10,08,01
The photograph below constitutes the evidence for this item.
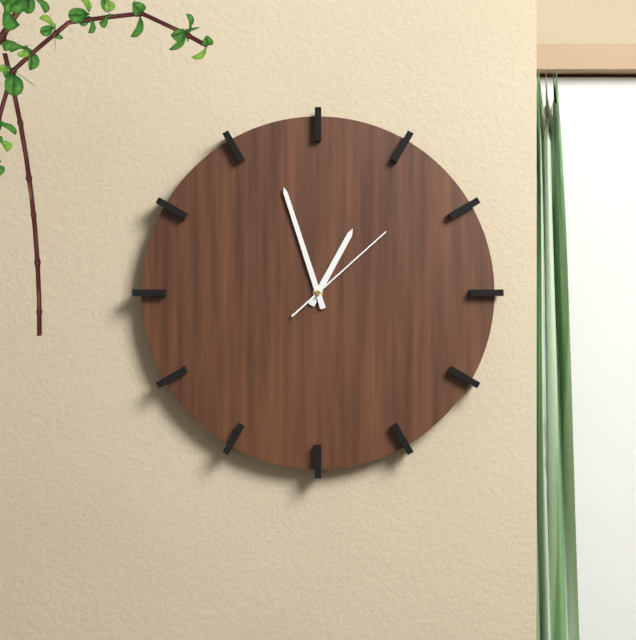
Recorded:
12,57,08
